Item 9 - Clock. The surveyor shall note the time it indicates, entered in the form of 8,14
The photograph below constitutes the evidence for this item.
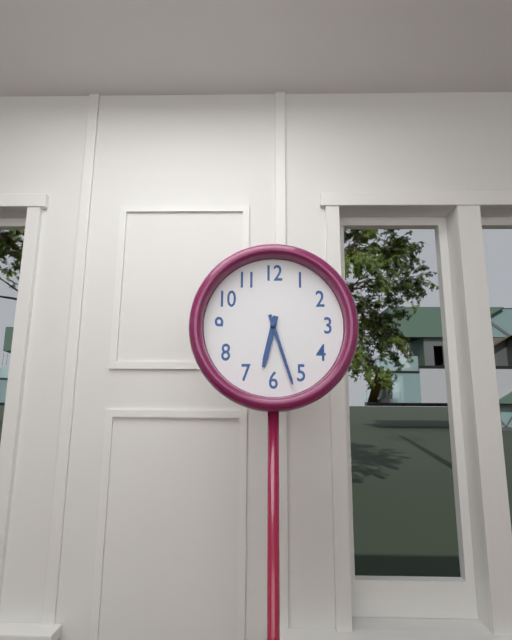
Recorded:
6,27
